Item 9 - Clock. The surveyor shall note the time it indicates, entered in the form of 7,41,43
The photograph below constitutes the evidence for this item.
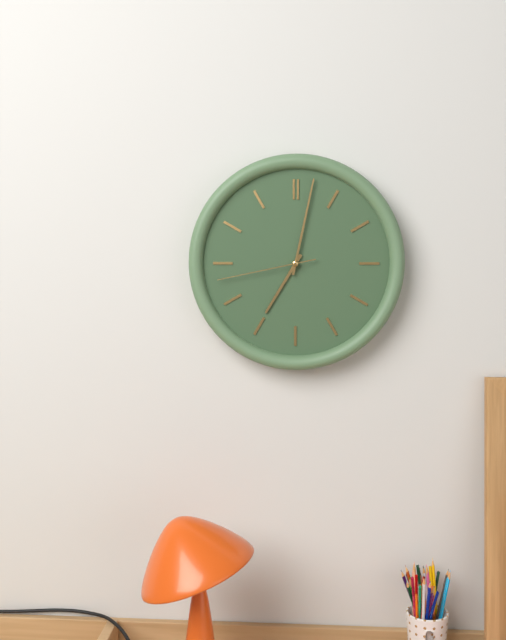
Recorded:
7,02,43
